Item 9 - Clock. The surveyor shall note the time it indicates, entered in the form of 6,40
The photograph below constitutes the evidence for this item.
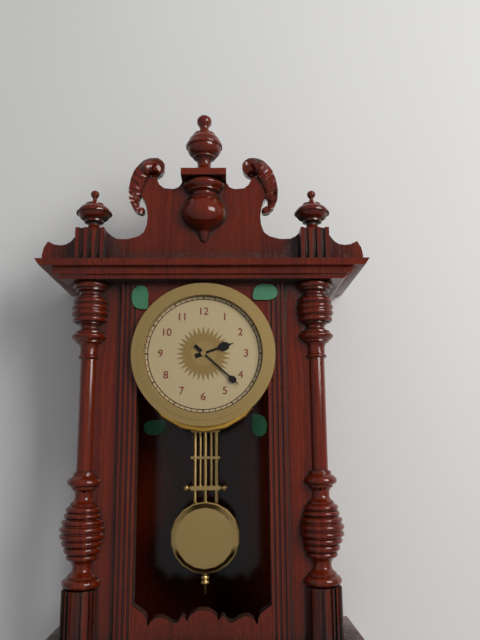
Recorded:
2,22
